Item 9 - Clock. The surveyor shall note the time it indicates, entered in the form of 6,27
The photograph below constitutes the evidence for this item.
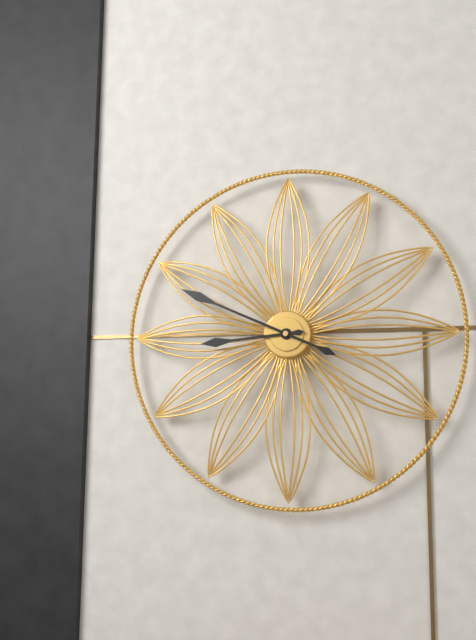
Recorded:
8,49
